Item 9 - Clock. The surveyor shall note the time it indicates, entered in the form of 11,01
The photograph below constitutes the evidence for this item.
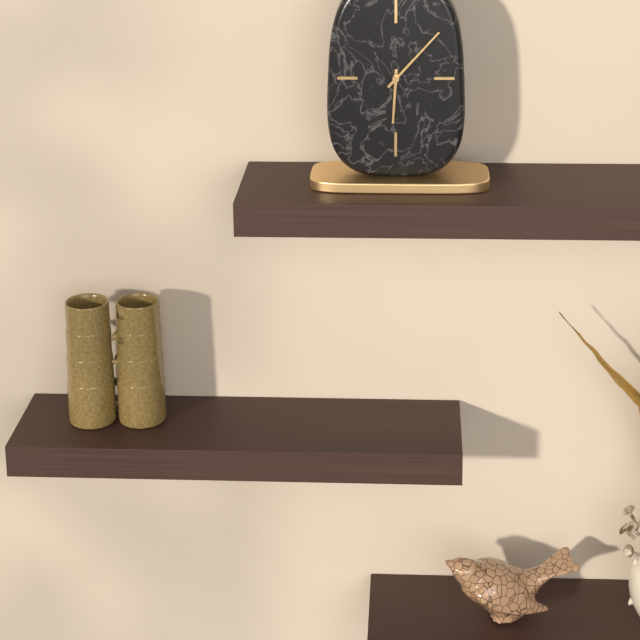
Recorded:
6,07
